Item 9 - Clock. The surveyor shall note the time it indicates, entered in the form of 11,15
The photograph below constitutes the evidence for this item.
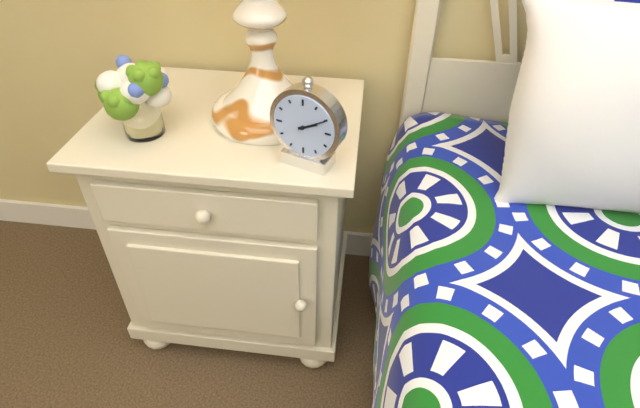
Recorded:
2,10
